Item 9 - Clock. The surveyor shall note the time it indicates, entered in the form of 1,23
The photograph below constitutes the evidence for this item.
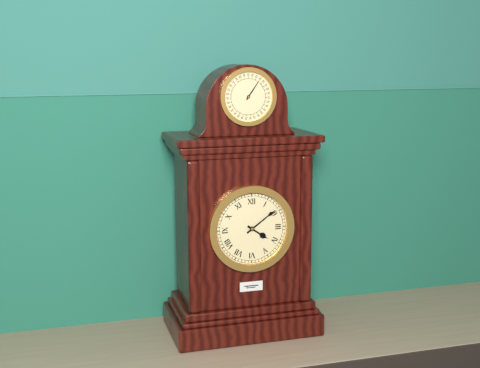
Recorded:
4,09
